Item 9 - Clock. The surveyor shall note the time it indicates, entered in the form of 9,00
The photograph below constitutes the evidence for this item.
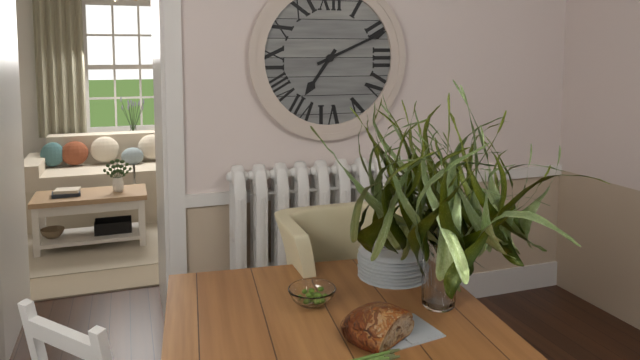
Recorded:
7,11
